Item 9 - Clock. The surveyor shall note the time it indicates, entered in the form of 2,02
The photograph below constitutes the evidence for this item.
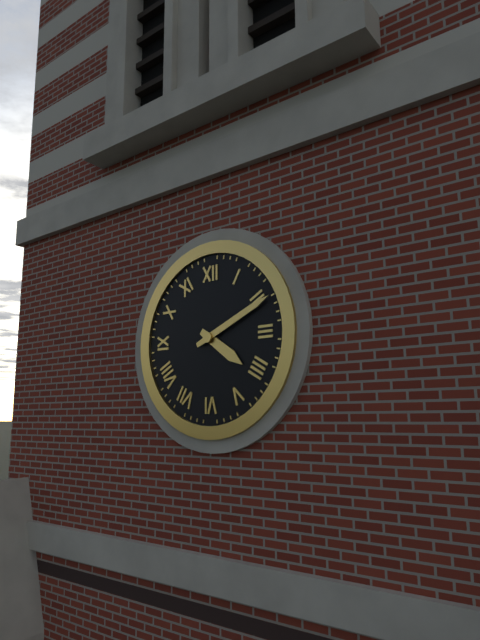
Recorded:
4,11
